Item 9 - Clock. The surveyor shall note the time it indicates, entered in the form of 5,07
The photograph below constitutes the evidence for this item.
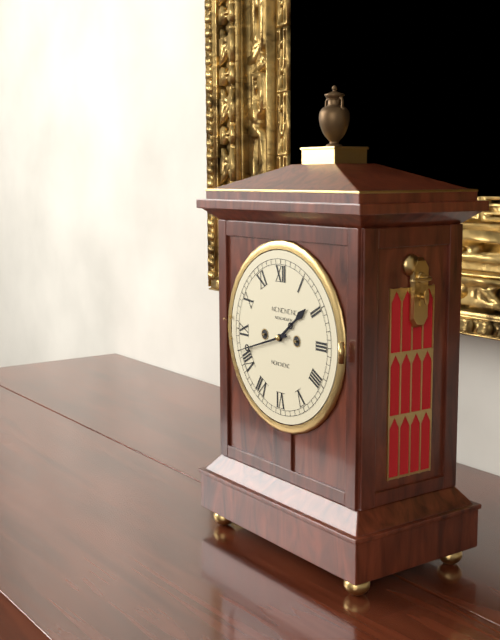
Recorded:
1,42
